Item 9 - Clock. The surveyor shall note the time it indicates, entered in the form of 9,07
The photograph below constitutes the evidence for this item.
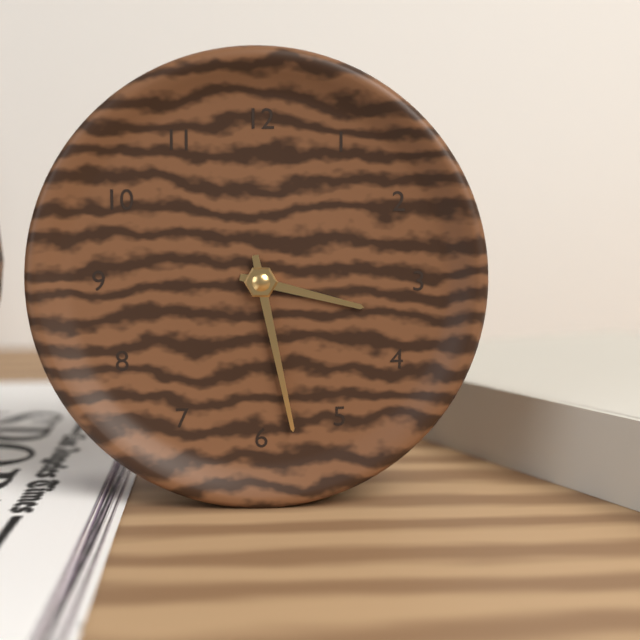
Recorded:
3,28
